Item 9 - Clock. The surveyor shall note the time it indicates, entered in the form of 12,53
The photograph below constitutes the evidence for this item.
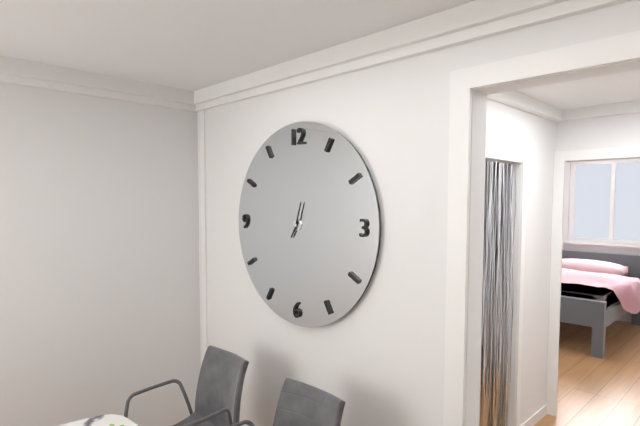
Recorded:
7,03
